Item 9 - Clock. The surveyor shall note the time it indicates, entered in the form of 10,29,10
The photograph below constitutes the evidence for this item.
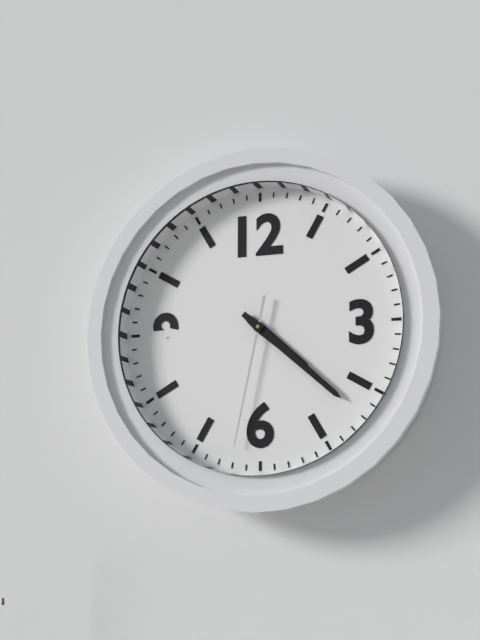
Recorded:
4,22,32
